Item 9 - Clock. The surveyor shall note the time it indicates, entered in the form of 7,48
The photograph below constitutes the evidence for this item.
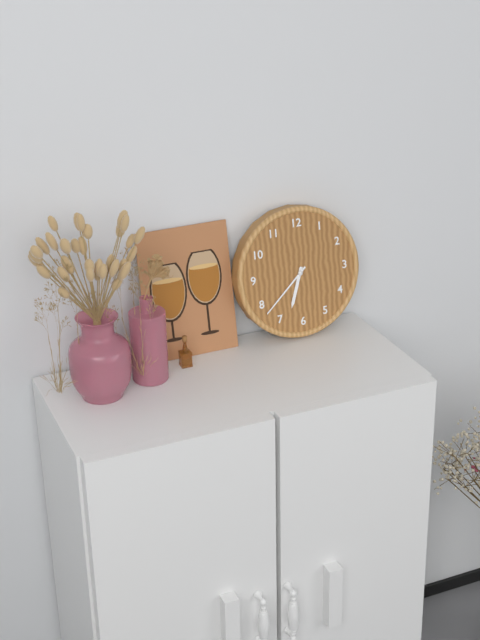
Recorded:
6,38
